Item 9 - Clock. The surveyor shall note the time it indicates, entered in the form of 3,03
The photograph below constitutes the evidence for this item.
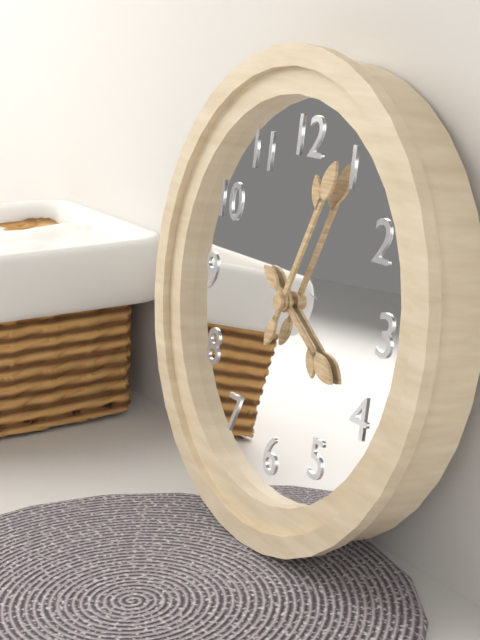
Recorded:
4,04
